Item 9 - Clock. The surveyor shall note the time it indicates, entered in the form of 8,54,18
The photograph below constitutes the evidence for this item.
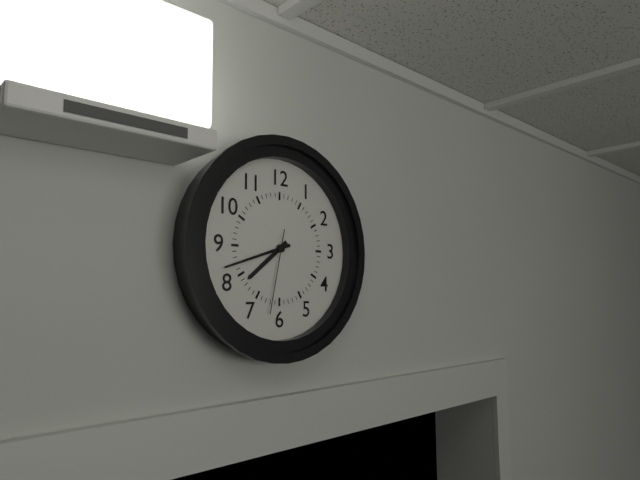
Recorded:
7,42,32
